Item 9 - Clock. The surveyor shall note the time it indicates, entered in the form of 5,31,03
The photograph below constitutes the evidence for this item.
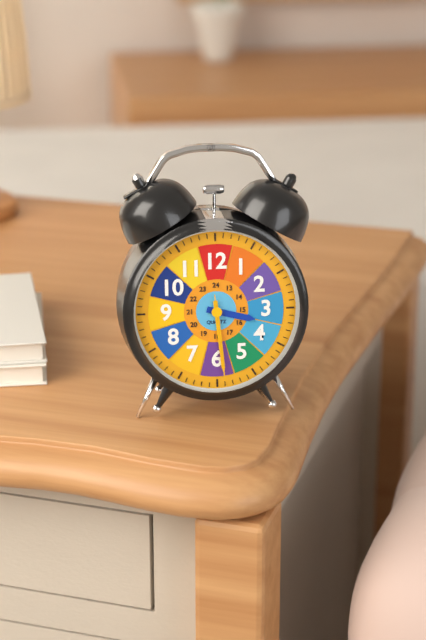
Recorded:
3,29,29
